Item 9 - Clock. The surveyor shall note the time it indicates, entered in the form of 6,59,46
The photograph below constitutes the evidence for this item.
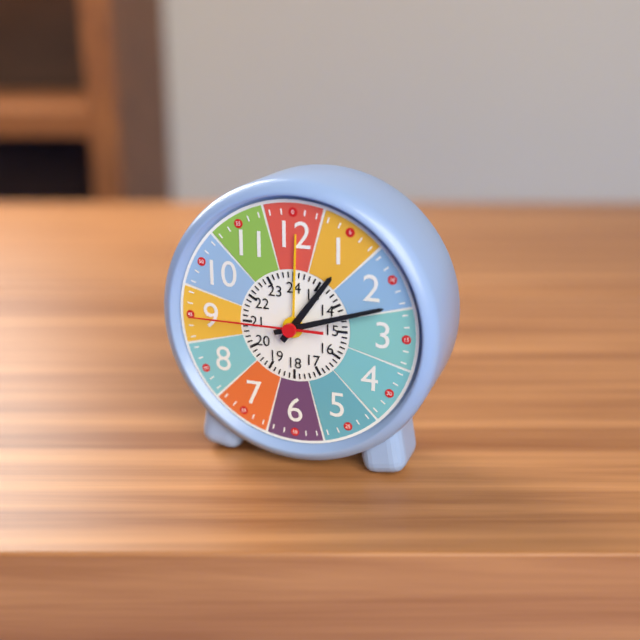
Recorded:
1,12,45
